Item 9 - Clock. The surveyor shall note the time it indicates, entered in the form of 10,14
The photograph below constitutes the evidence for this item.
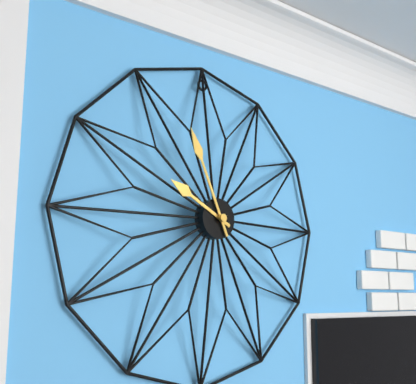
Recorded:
9,56
